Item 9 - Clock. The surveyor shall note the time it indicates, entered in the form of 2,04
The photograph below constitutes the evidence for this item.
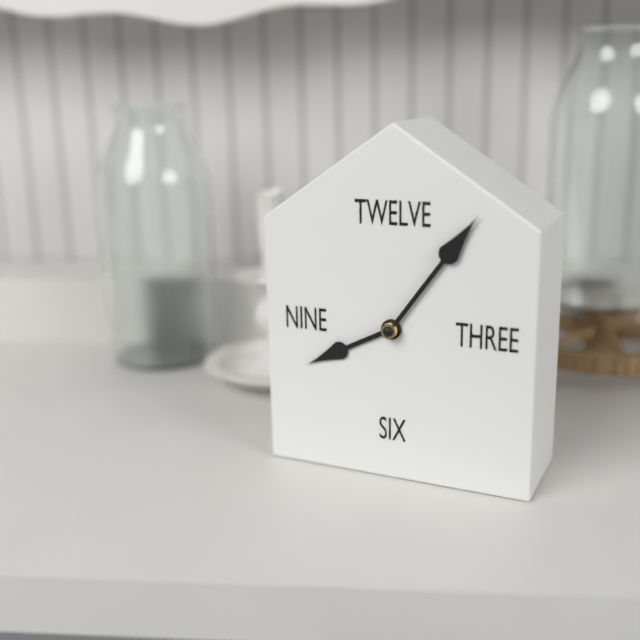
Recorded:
8,06
